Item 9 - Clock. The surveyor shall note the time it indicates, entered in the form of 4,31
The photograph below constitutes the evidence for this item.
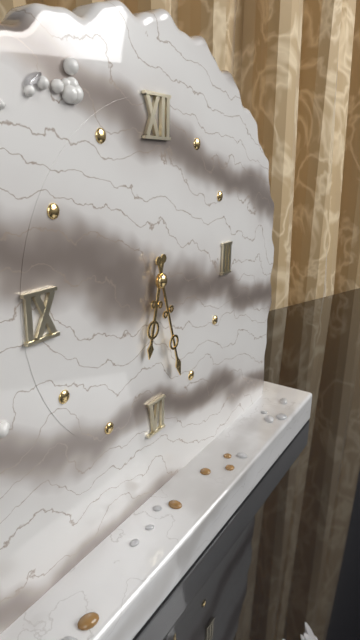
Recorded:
6,27
